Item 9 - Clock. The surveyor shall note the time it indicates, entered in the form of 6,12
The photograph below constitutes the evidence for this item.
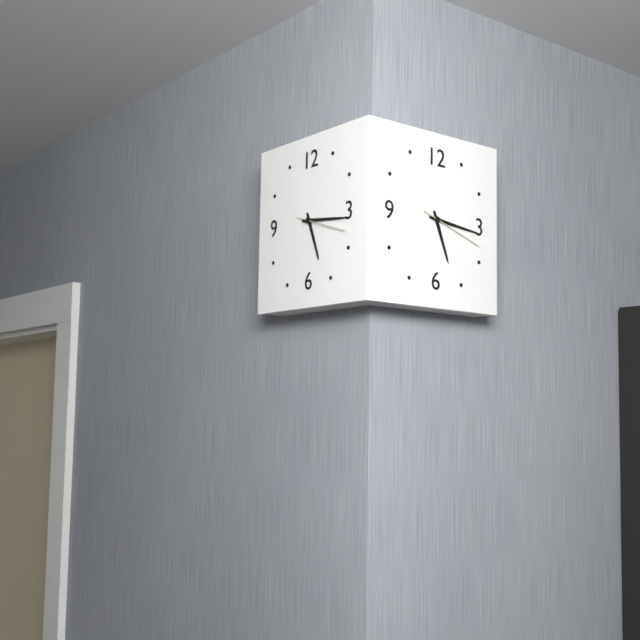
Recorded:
5,16
